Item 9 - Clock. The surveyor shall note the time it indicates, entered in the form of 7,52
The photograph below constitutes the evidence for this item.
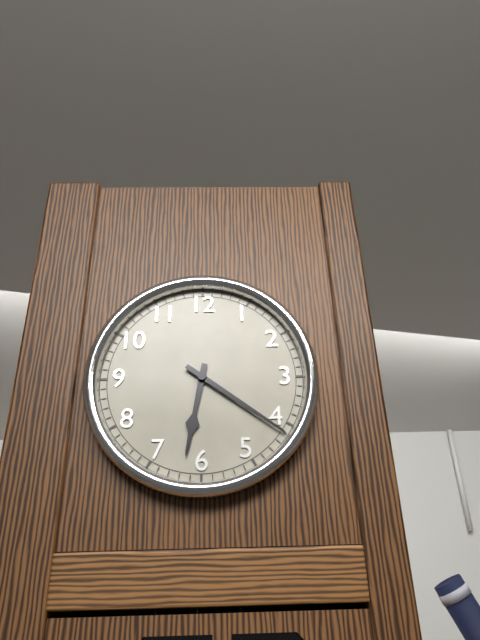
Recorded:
6,21
